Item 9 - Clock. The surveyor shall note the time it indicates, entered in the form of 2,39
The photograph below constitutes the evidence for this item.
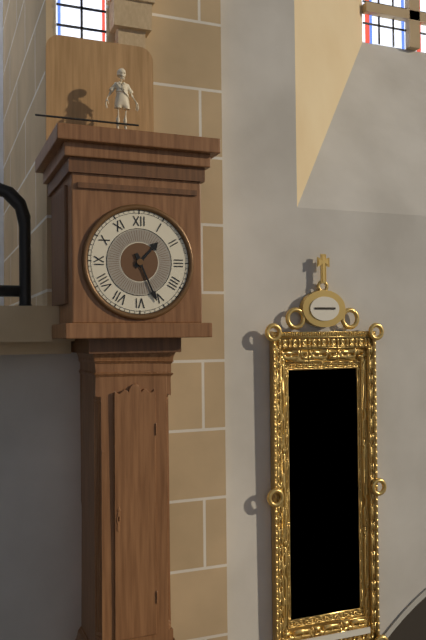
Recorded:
1,26
